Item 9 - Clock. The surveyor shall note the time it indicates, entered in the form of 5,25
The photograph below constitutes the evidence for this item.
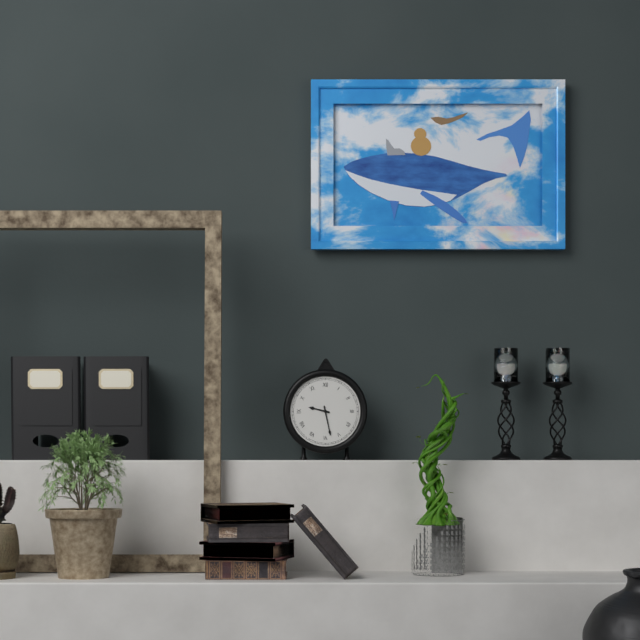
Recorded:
9,28
